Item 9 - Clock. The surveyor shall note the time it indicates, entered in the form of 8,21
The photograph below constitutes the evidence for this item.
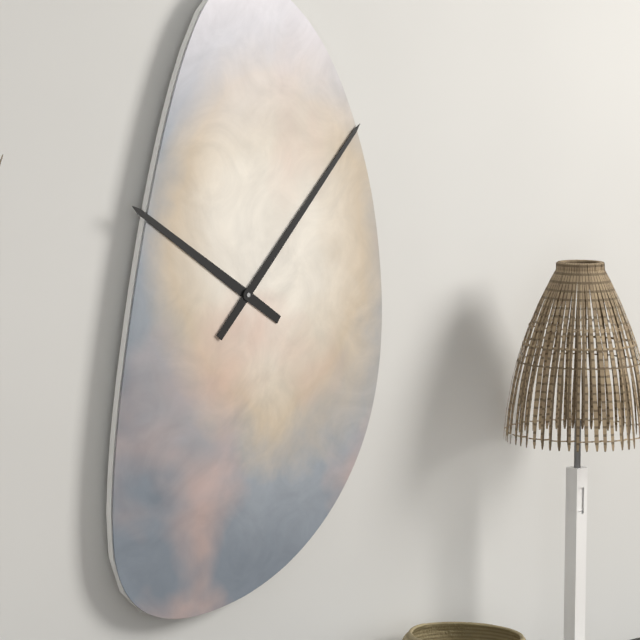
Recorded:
10,07
